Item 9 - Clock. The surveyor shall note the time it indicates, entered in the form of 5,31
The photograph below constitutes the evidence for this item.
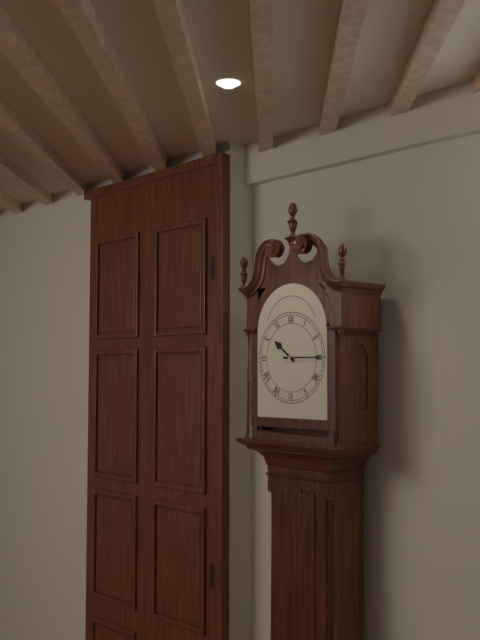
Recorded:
10,15
